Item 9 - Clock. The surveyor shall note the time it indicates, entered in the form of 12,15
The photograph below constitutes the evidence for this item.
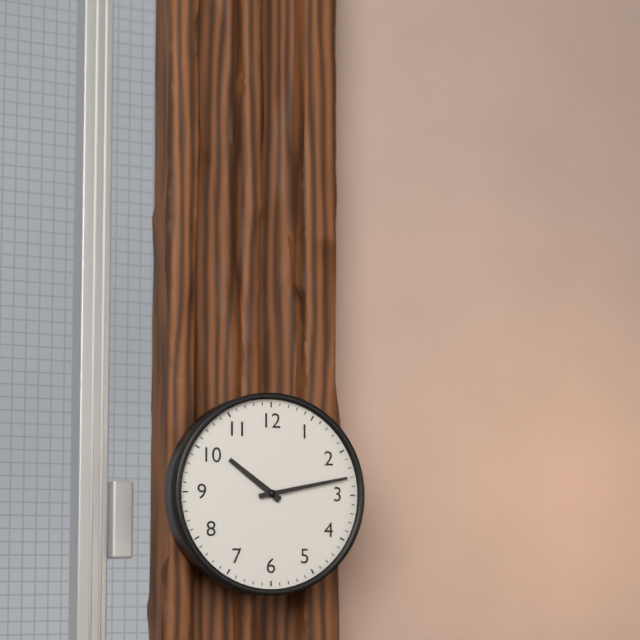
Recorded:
10,13
